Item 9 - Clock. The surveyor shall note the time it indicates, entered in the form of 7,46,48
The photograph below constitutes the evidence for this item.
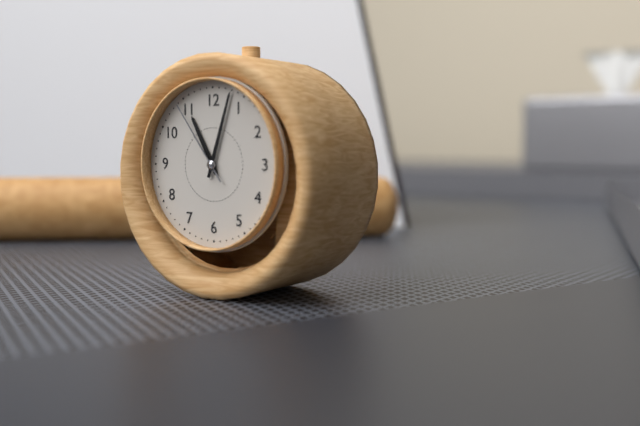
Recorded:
11,03,54
